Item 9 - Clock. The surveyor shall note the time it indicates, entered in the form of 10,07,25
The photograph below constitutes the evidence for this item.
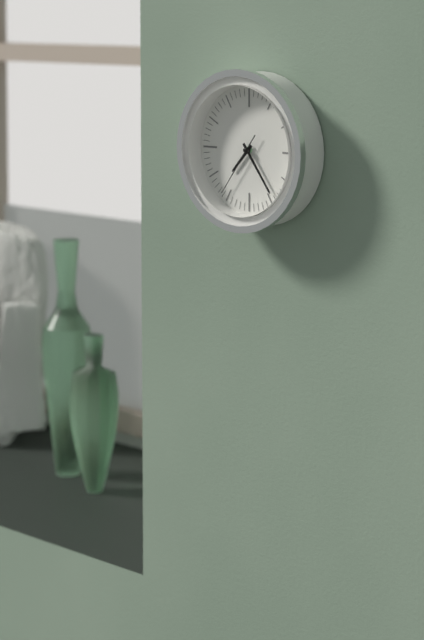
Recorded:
7,24,36
